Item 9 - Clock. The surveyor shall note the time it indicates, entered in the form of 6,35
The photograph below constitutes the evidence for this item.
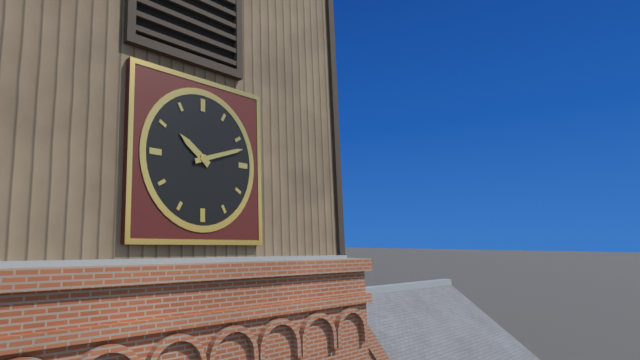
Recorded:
10,12
